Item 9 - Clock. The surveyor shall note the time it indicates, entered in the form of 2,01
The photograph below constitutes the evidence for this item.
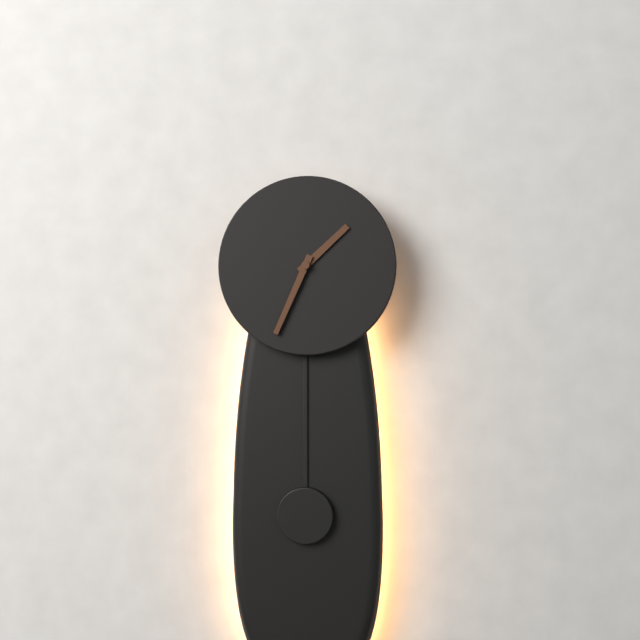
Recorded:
1,34
